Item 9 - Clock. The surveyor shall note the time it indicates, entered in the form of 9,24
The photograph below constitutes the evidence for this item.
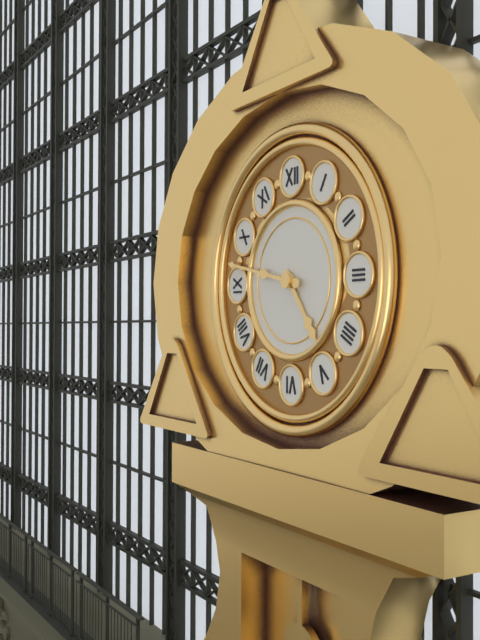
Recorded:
4,47
